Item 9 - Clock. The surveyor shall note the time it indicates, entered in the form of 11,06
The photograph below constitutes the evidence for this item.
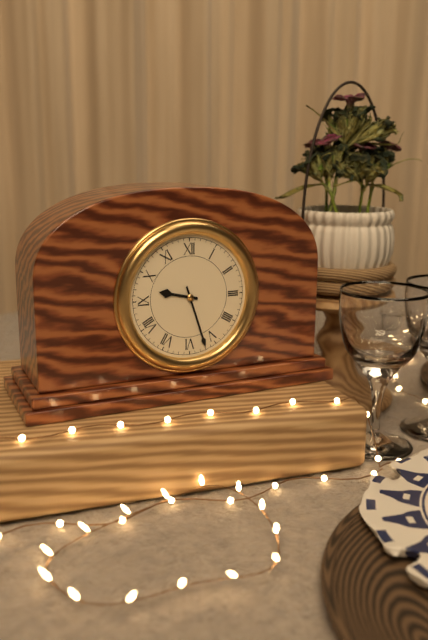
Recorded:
9,27
